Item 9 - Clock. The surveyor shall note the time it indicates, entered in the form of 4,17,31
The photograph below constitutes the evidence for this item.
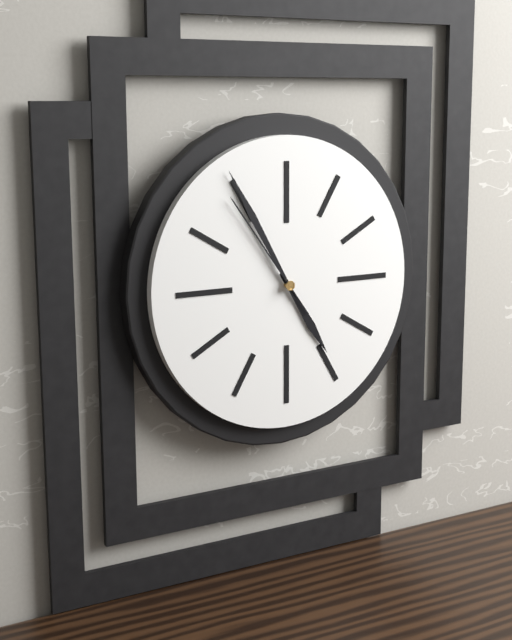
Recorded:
4,55,54
